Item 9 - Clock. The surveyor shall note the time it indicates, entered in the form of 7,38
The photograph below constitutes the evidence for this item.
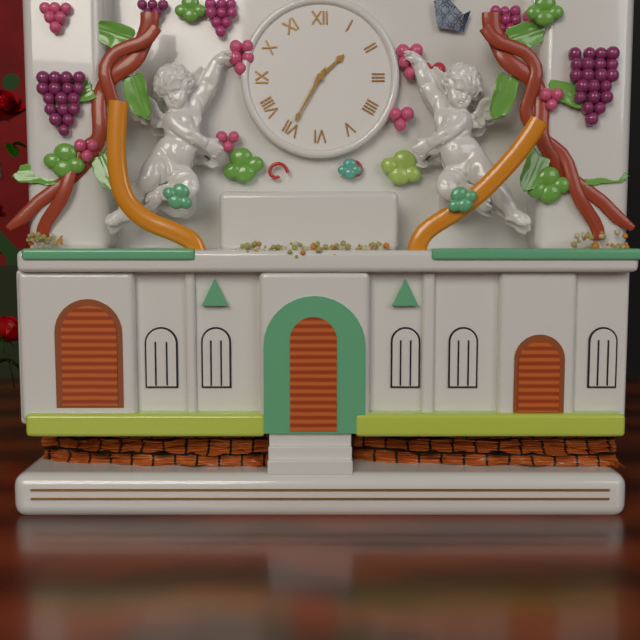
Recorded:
1,35
